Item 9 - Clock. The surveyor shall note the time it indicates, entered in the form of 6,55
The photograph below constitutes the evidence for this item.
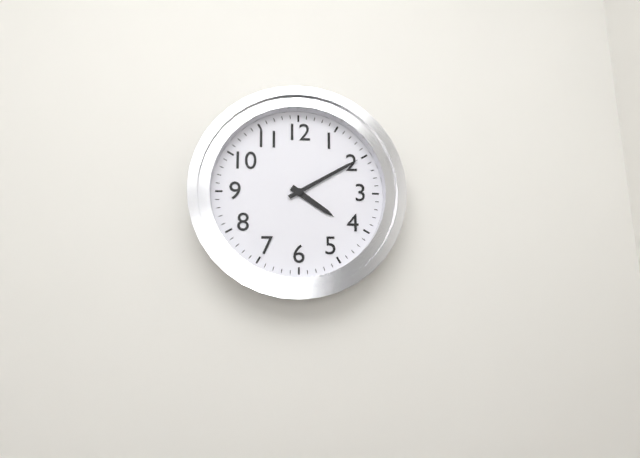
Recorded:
4,10
